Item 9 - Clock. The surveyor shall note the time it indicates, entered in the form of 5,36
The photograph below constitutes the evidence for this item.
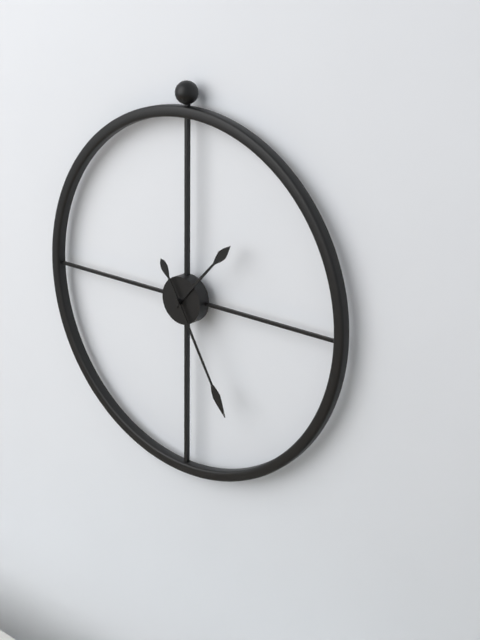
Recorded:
1,25
